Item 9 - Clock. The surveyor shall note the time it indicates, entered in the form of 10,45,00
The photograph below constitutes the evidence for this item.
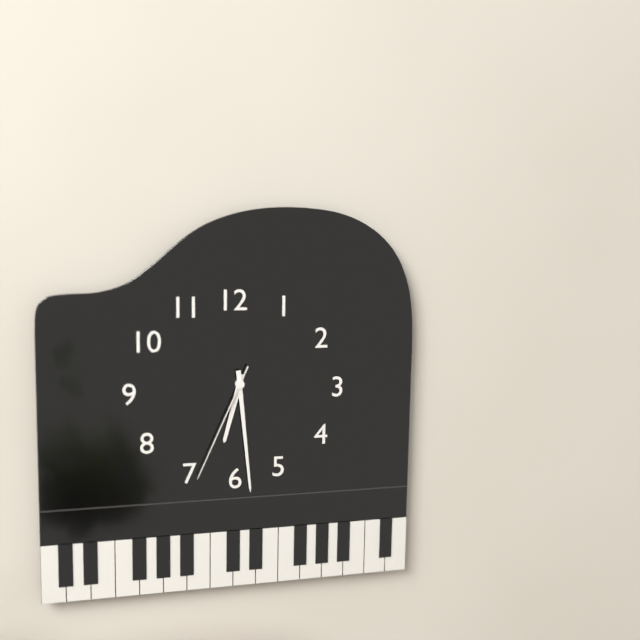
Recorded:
6,29,34
